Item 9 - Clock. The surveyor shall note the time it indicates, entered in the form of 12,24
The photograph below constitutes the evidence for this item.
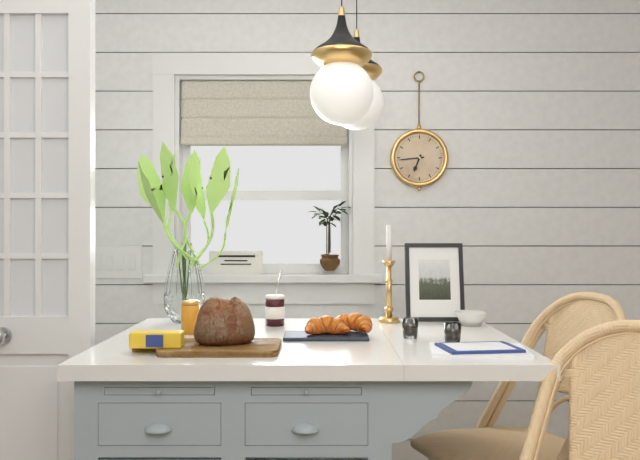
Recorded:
6,44
